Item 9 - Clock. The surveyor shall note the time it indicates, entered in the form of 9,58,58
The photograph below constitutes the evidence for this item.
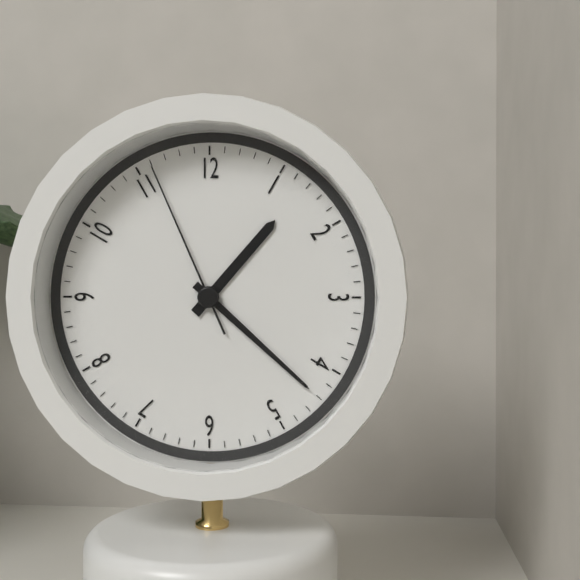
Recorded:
1,22,56
